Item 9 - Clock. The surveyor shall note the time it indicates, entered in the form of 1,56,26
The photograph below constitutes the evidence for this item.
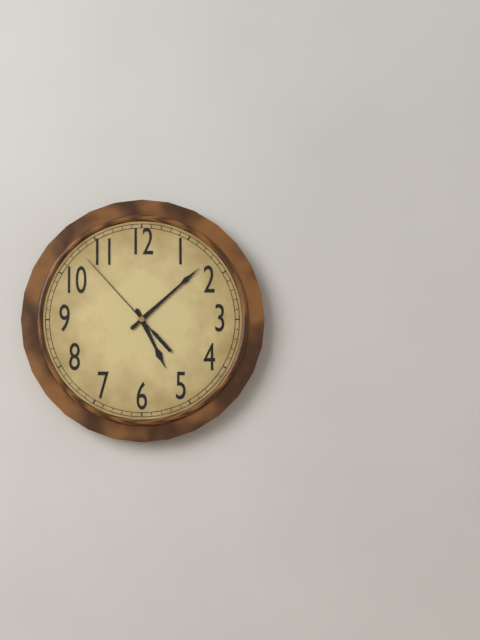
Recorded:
5,08,53
